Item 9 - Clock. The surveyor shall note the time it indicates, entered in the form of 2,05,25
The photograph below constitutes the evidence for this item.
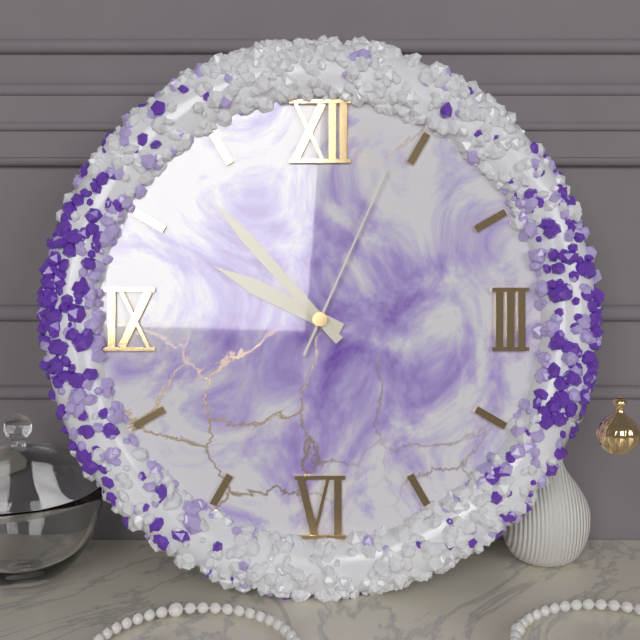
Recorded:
9,53,04
